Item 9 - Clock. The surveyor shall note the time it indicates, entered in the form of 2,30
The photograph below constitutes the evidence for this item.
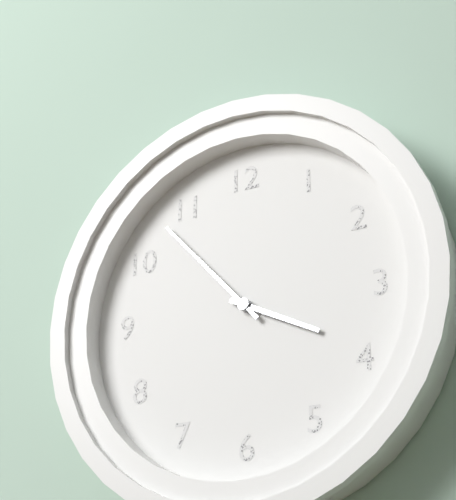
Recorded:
3,53
